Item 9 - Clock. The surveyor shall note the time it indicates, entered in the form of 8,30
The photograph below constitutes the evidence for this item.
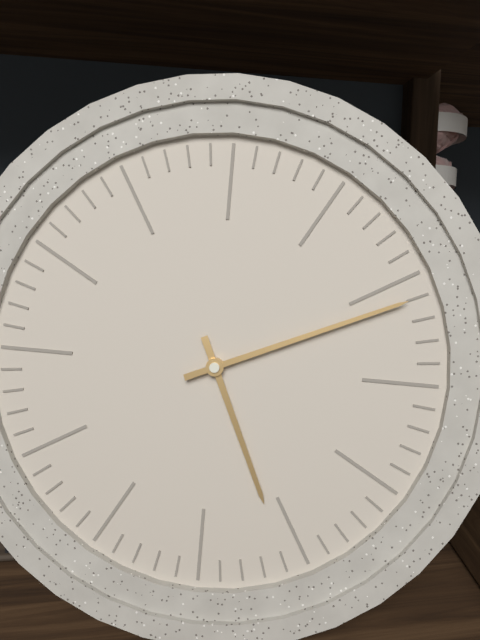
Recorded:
5,11
